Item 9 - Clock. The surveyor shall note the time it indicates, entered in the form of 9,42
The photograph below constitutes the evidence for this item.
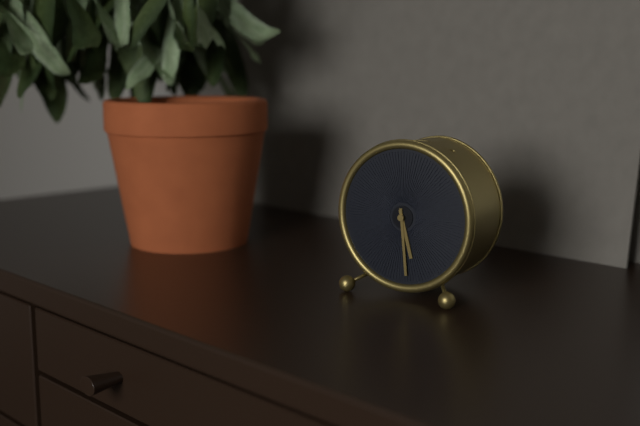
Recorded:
5,29
